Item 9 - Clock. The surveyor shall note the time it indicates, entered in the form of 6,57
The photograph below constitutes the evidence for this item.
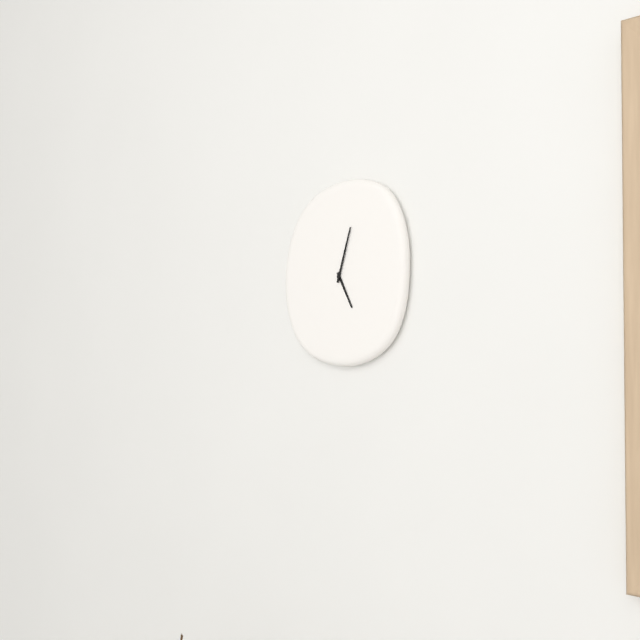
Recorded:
5,03
